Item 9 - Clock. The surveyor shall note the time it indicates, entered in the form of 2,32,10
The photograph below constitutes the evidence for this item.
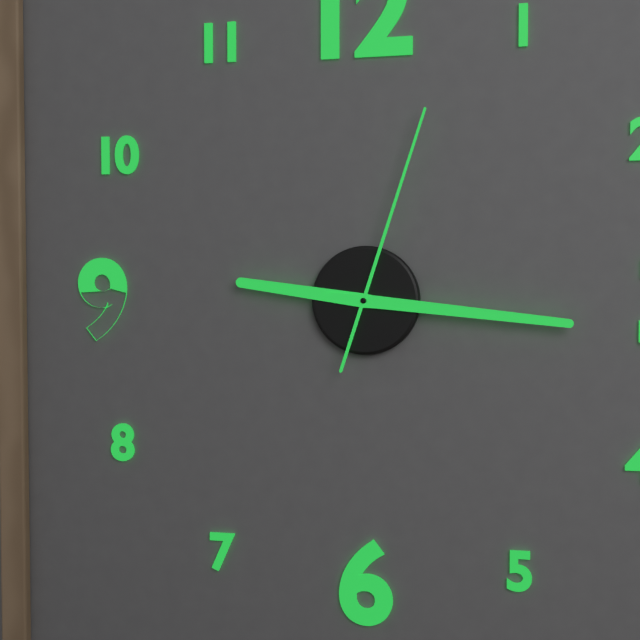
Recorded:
9,16,03
